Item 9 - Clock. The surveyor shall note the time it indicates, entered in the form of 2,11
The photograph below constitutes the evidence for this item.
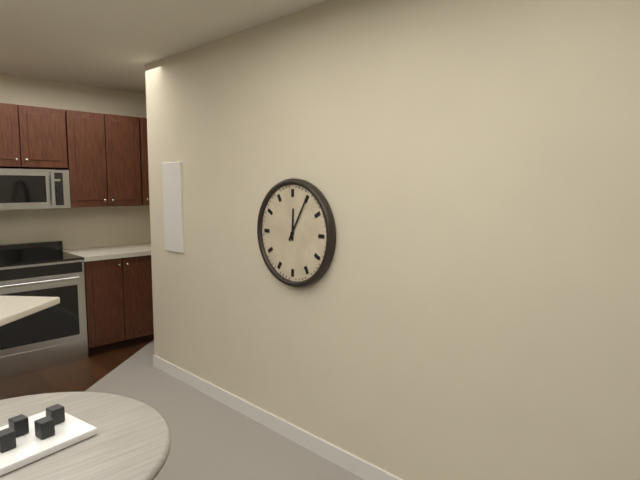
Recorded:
12,05
